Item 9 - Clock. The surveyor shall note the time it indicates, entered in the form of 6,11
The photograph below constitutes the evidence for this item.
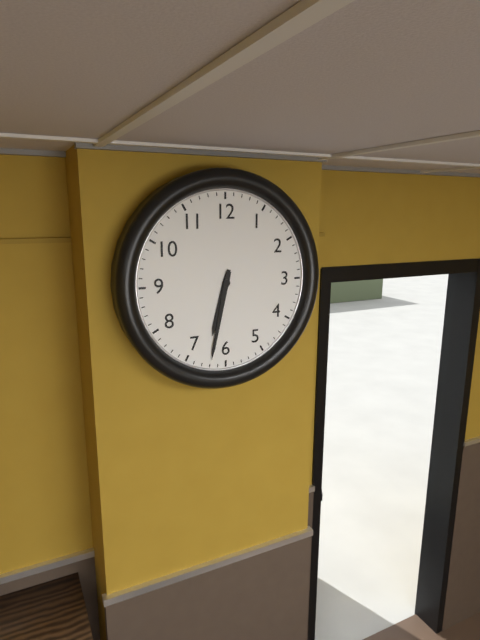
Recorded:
6,32
